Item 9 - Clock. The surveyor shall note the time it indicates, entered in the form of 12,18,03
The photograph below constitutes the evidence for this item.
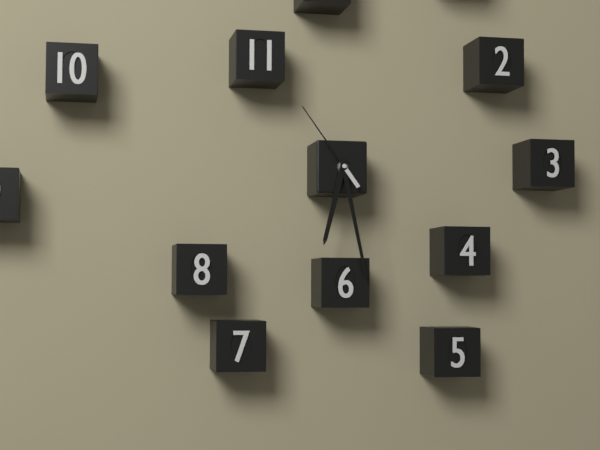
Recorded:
6,28,54
